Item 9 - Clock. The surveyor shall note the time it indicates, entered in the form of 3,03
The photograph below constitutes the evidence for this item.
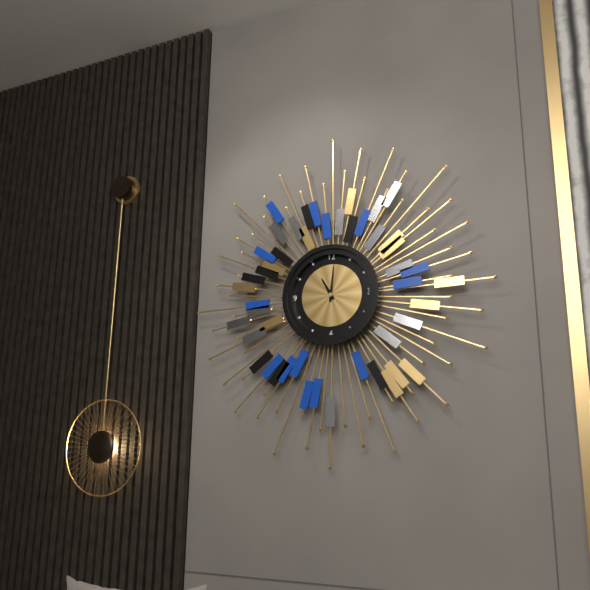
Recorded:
11,01
